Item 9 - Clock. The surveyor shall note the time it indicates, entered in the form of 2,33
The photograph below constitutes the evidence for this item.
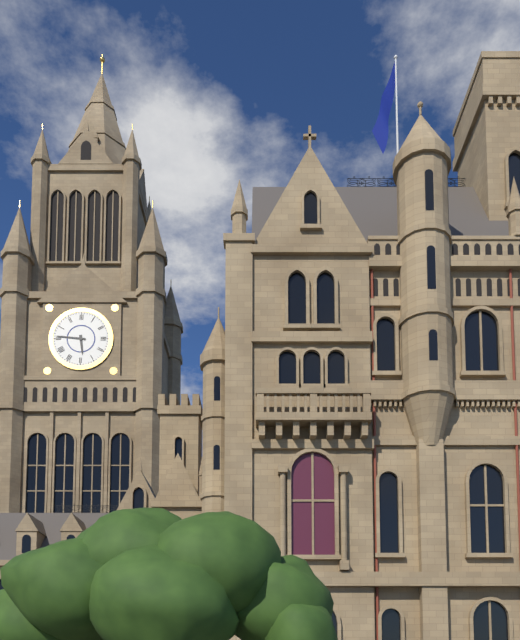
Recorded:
5,46
